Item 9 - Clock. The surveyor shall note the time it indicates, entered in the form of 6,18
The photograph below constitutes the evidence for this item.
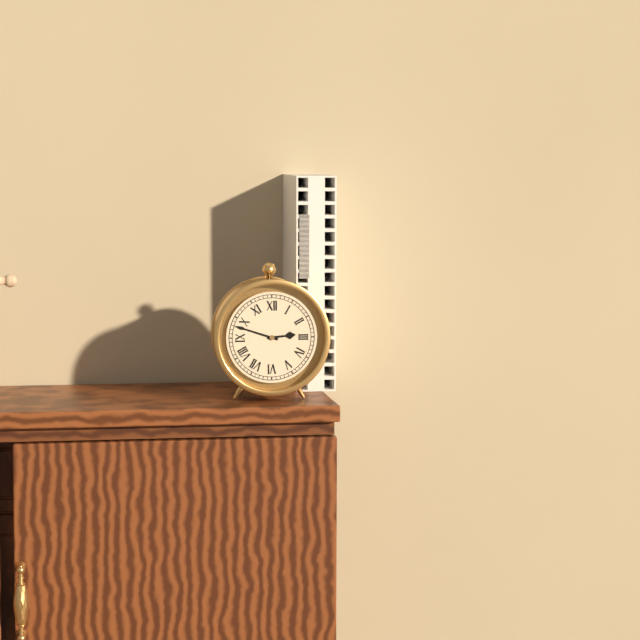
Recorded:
2,48
